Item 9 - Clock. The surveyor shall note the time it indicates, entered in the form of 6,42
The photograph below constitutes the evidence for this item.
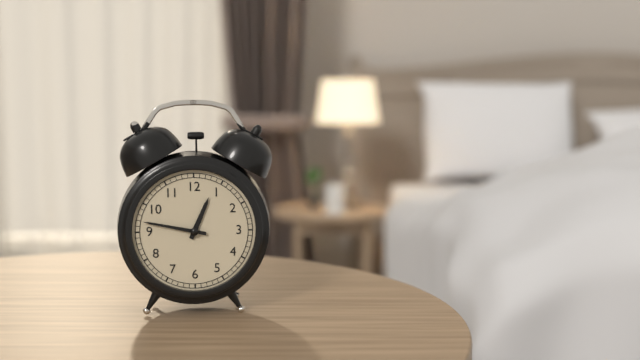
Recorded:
12,47
